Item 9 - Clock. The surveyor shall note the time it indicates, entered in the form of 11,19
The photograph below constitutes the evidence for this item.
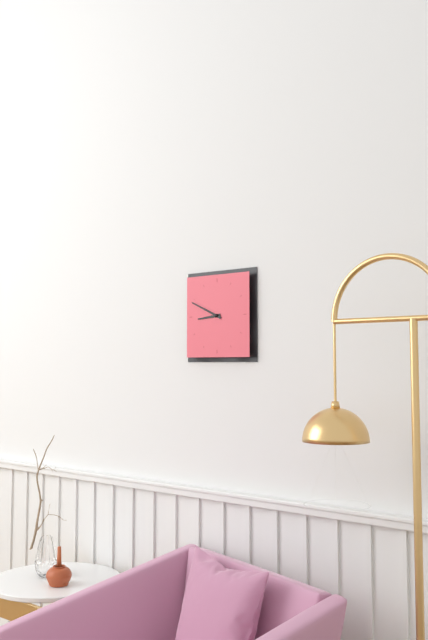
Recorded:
8,49
